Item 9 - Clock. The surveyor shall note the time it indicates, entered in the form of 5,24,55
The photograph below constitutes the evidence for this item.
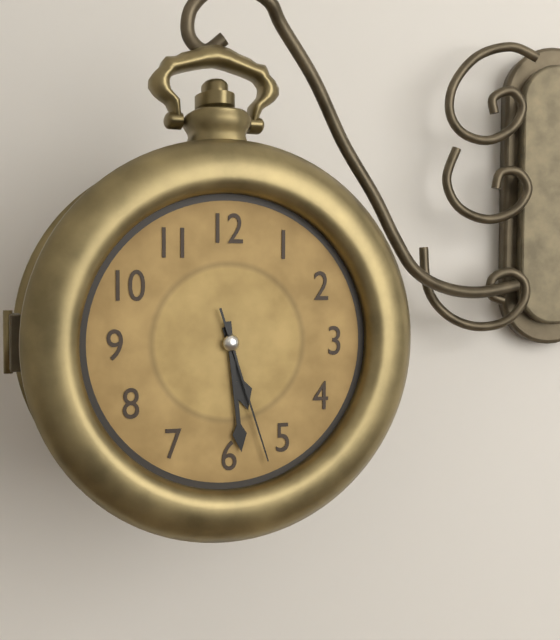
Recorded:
5,29,27
